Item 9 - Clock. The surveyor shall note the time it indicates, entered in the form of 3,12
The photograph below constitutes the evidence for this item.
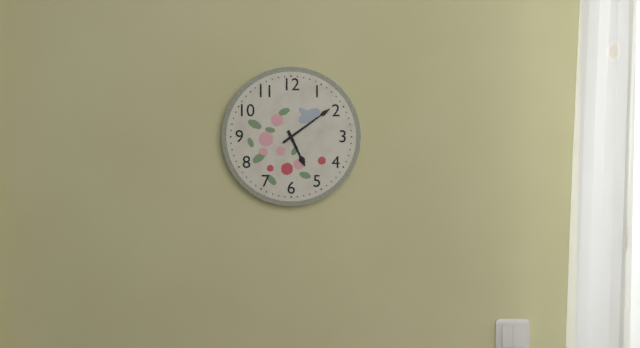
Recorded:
5,09
